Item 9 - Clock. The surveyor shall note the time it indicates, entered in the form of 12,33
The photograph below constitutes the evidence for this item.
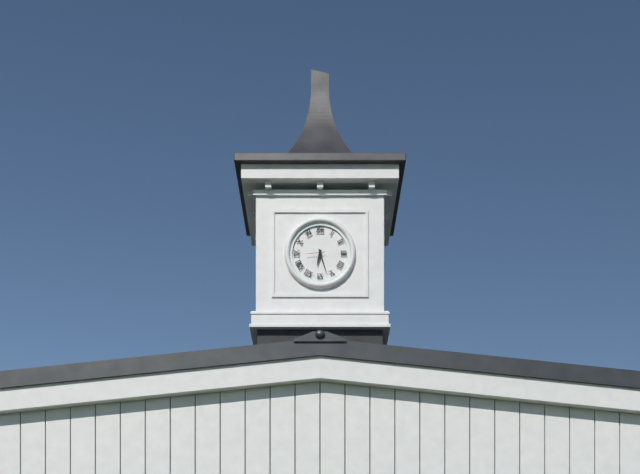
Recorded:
6,27
